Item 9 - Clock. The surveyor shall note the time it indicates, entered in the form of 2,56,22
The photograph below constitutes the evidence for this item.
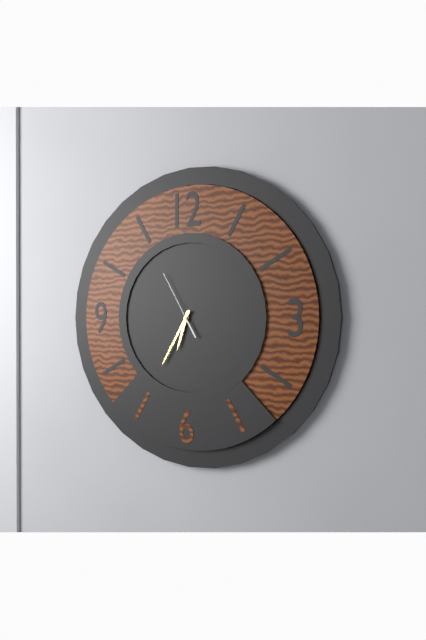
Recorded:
6,35,55
